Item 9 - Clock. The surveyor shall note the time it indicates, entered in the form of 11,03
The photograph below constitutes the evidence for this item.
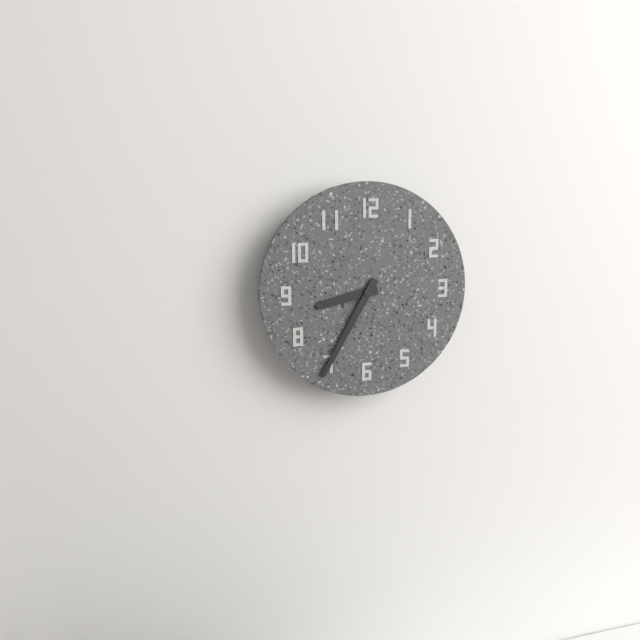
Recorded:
8,35
